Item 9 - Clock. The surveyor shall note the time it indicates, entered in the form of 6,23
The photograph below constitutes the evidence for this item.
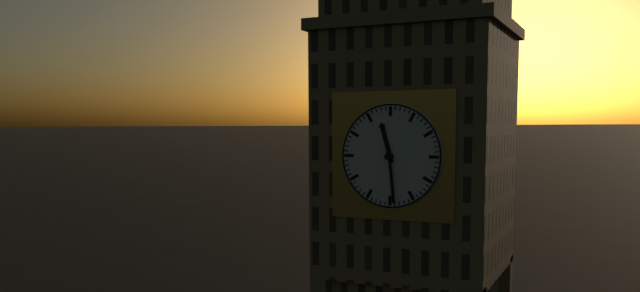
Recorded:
11,29
